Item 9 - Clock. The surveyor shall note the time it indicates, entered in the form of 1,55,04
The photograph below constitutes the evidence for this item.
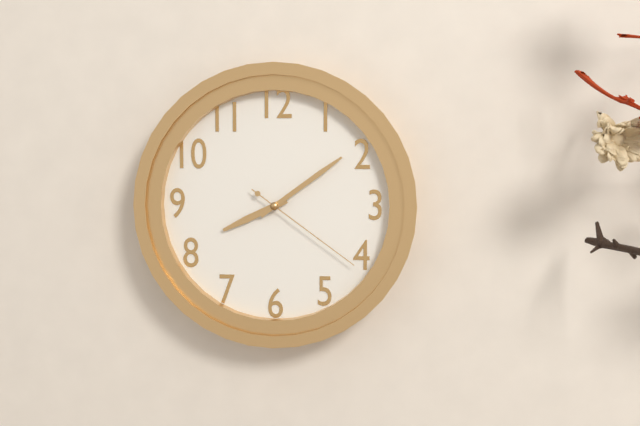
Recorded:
8,09,21
